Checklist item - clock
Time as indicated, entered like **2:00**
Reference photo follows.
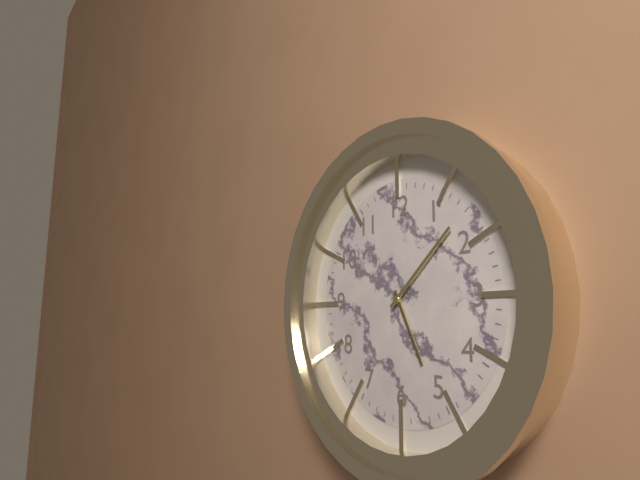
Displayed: **5:08**
